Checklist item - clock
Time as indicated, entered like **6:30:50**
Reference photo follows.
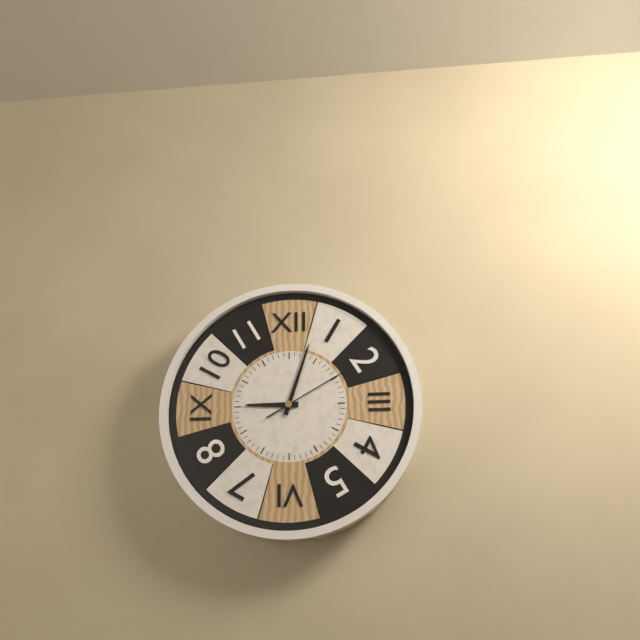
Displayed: **9:03:10**
